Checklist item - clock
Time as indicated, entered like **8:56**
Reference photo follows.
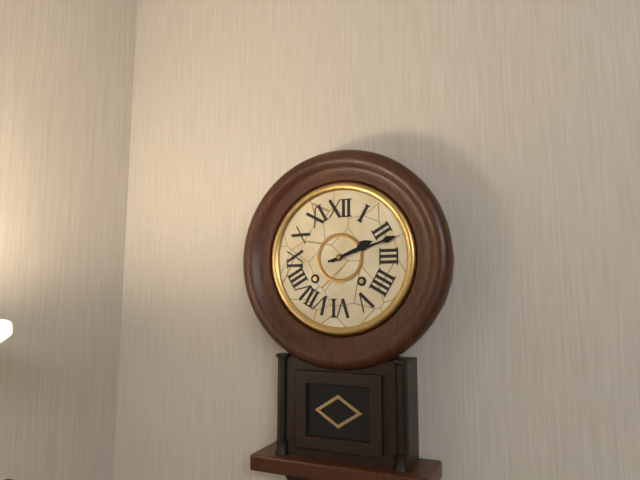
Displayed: **2:12**
